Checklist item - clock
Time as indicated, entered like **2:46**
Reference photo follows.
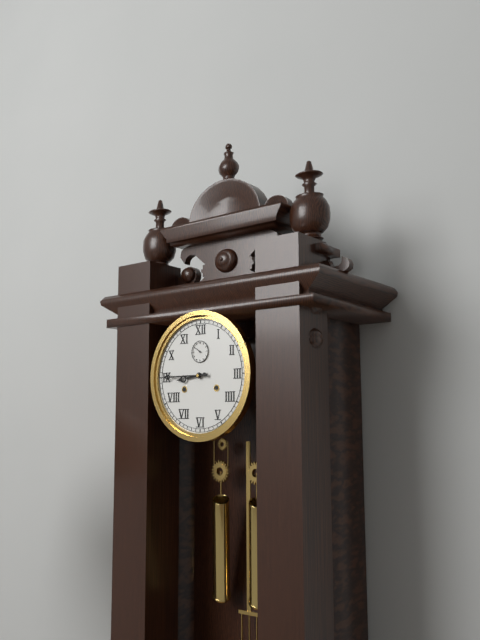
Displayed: **8:45**
